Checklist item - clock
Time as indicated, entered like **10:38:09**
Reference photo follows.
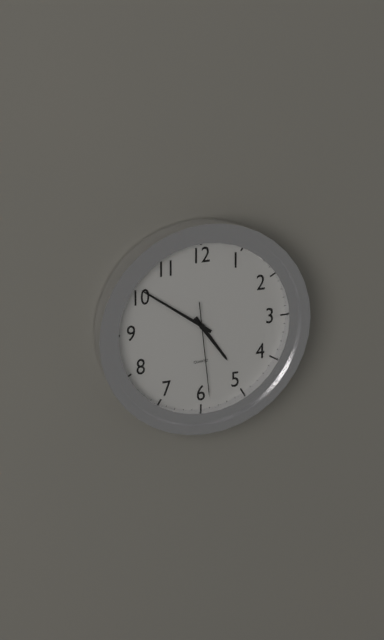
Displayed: **4:51:29**
